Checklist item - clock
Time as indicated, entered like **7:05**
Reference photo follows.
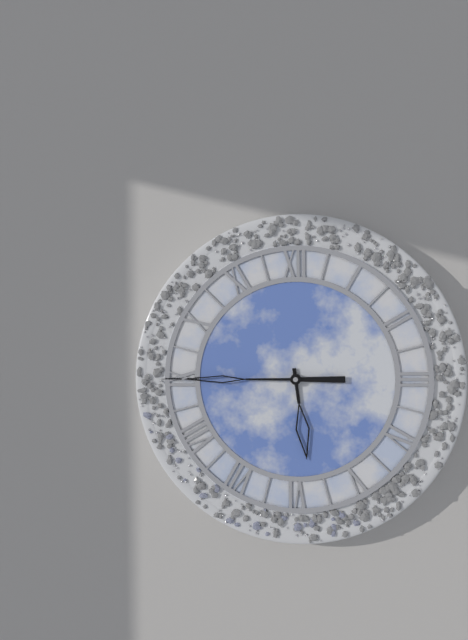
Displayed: **5:45**
